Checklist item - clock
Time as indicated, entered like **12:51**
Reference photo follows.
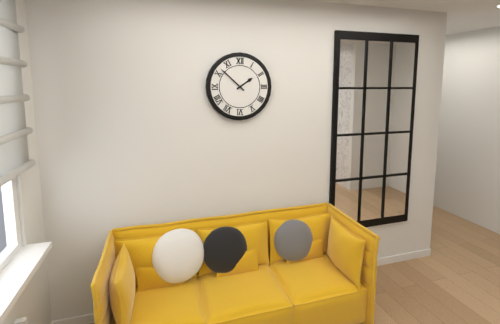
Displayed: **1:52**
